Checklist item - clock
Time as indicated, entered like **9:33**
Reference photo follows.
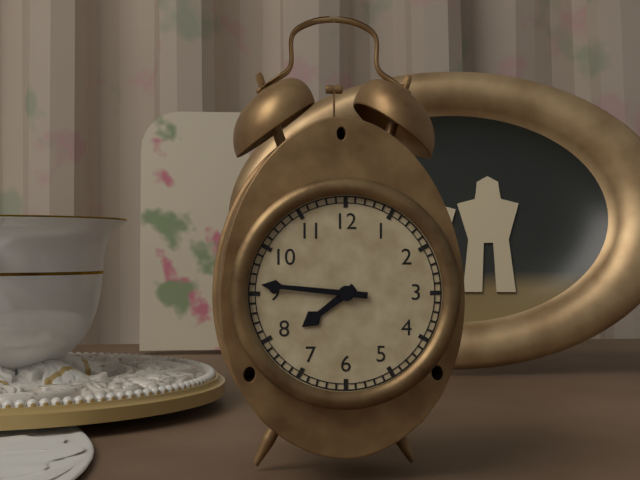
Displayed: **7:46**
